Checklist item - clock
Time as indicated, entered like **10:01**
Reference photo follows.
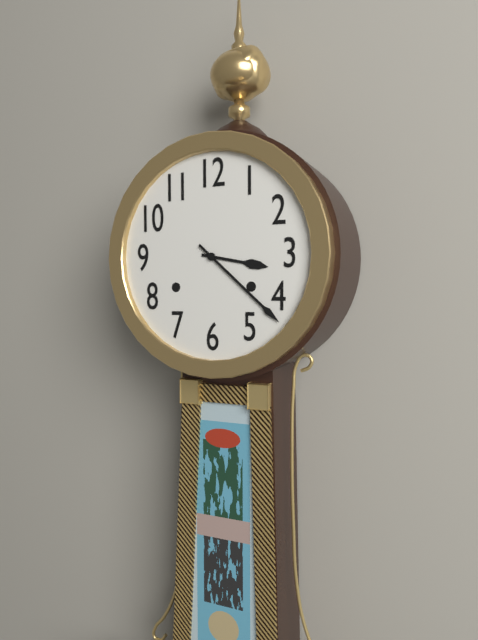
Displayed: **3:22**
